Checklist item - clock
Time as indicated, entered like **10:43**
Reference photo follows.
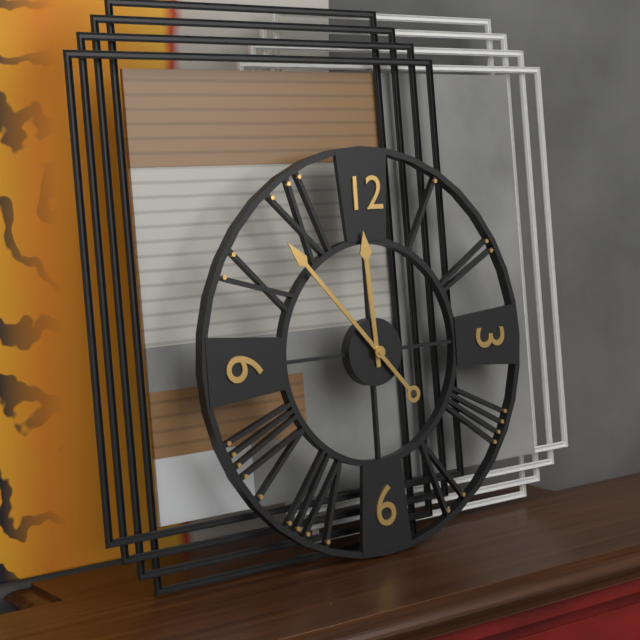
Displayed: **11:53**
